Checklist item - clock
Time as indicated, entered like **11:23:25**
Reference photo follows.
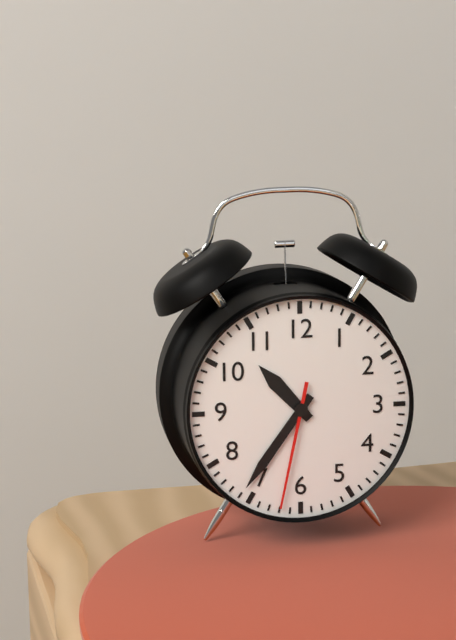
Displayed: **10:36:32**
